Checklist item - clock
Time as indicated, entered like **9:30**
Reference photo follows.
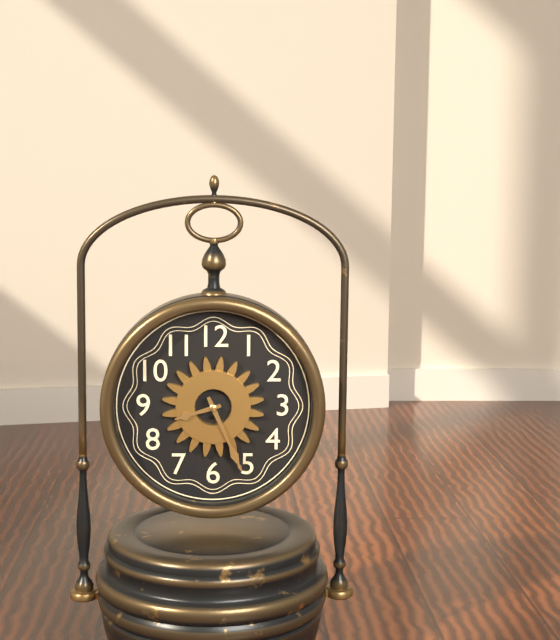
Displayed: **8:26**
